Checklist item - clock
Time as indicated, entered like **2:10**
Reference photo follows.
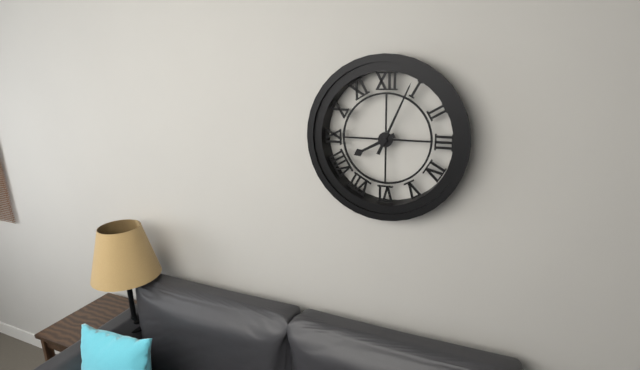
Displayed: **8:04**
